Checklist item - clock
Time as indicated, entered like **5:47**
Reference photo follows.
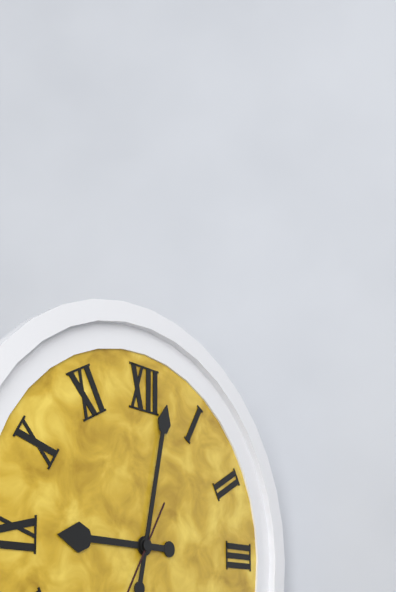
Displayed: **9:02**
